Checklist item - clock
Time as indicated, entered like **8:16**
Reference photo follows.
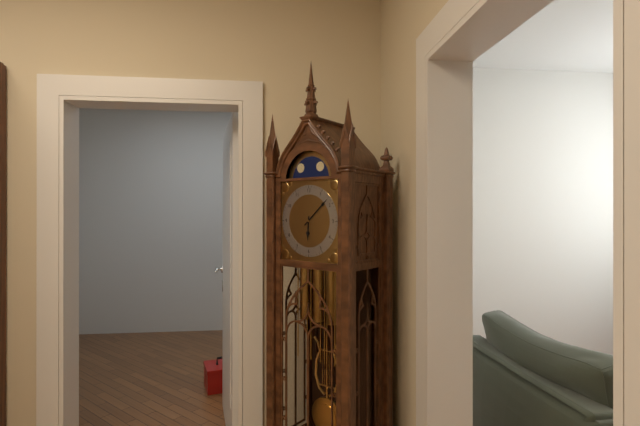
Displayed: **6:08**
